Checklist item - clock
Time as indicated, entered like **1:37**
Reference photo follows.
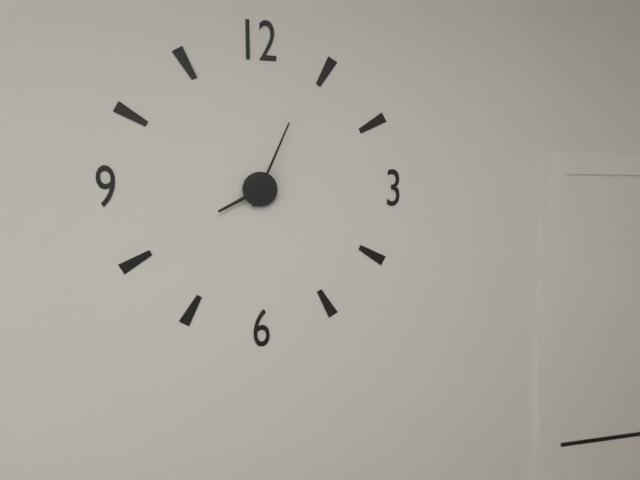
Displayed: **8:04**
